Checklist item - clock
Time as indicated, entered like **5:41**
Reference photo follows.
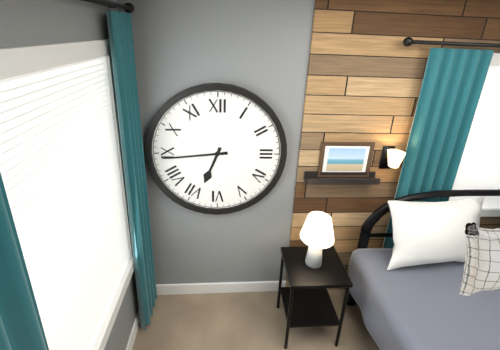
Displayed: **6:44**
